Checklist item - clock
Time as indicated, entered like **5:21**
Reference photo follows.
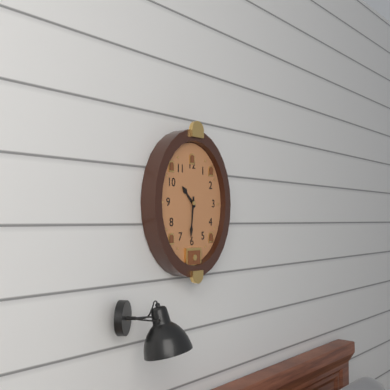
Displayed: **10:31**
